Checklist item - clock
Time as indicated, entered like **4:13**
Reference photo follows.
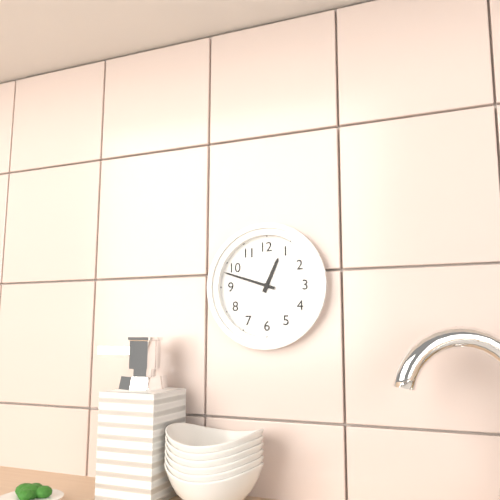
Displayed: **12:48**
